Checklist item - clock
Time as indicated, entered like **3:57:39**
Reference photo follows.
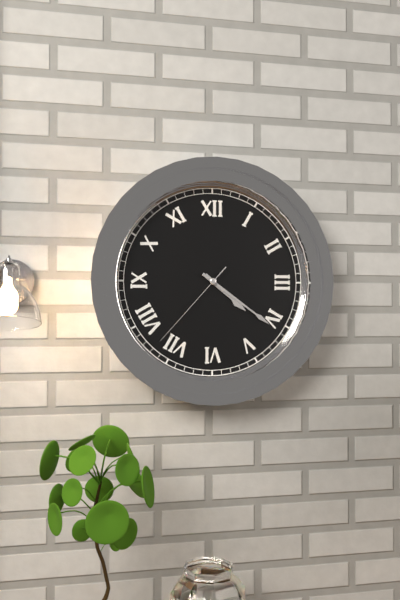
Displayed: **4:21:37**
